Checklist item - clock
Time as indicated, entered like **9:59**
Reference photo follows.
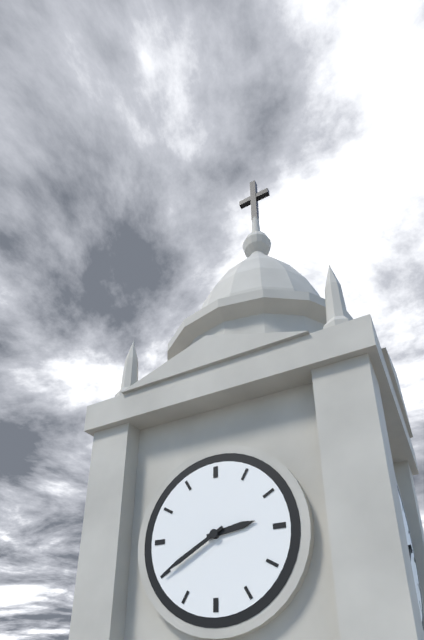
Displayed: **2:40**
